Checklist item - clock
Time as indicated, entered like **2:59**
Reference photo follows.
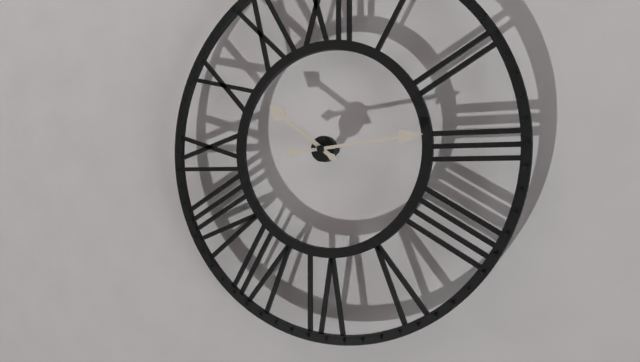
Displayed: **10:14**
